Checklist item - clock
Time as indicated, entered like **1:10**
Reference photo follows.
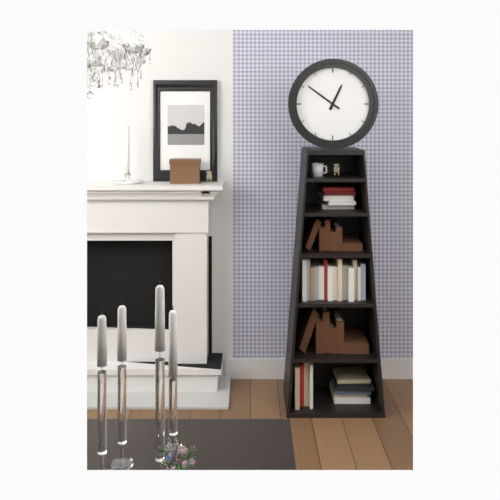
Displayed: **12:51**
